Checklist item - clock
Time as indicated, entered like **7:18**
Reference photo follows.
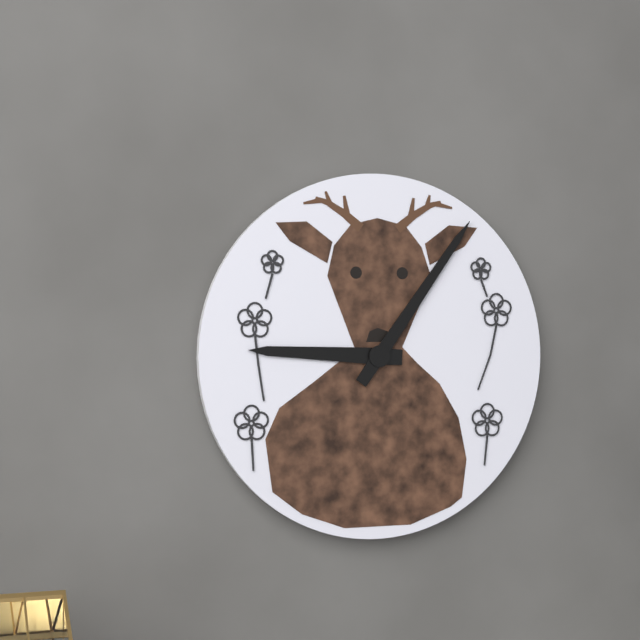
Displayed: **9:06**
